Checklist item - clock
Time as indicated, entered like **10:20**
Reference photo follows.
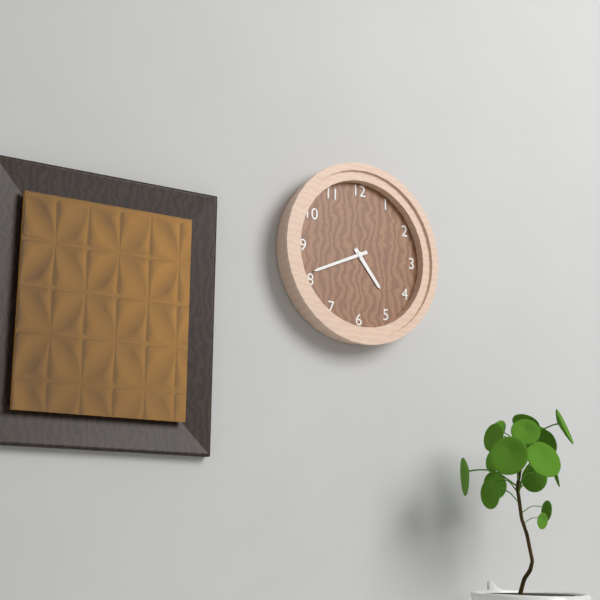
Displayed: **4:41**
